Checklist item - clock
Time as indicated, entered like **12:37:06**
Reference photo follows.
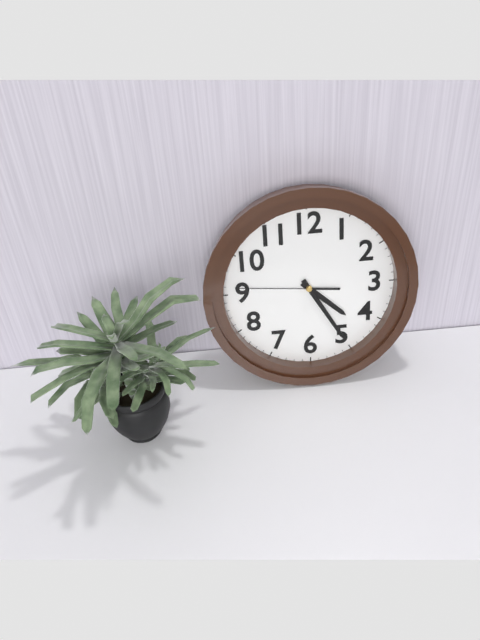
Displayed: **4:25:46**
